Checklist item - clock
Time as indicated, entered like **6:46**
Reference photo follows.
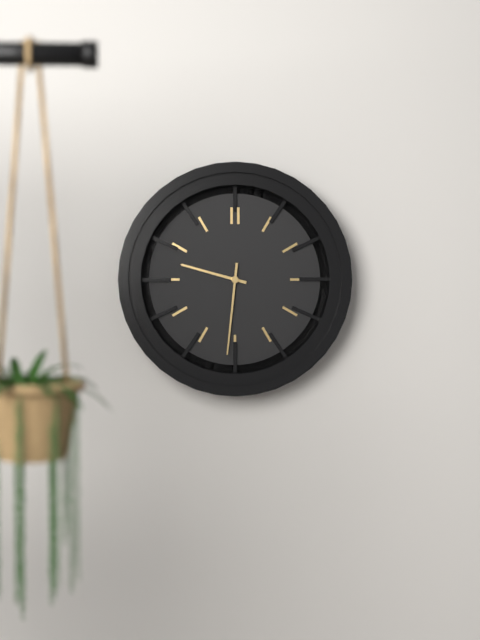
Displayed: **9:31**
